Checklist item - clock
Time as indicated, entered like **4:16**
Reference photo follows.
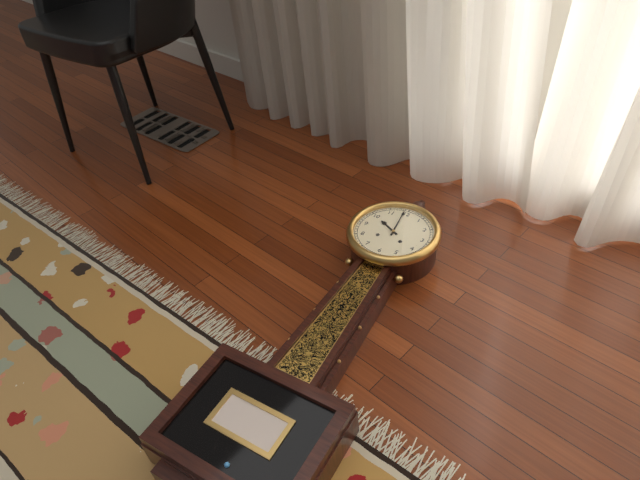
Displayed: **9:59**
